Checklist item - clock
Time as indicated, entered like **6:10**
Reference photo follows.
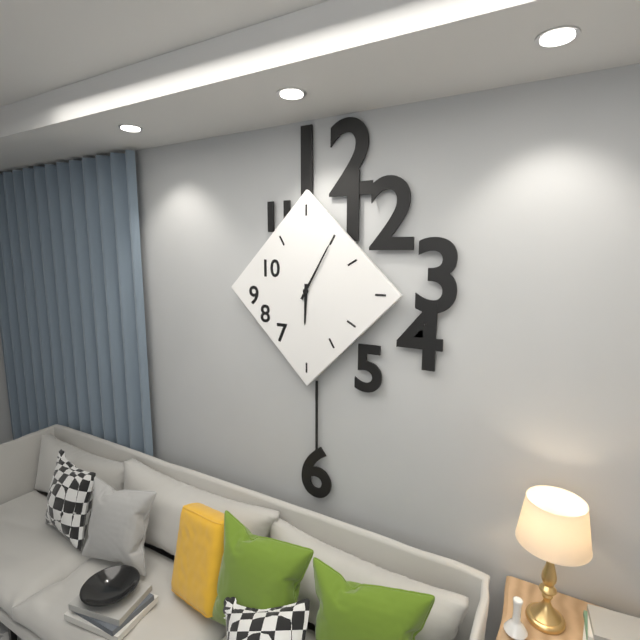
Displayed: **6:05**
